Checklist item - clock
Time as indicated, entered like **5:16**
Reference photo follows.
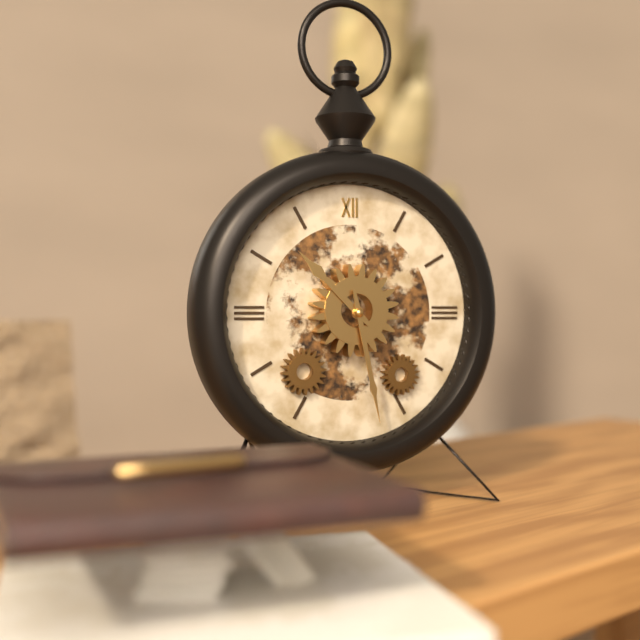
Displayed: **10:28**
